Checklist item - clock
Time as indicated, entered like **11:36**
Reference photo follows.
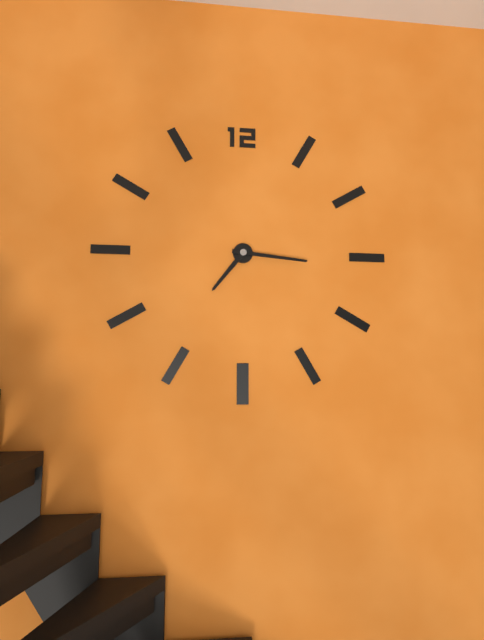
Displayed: **7:16**
